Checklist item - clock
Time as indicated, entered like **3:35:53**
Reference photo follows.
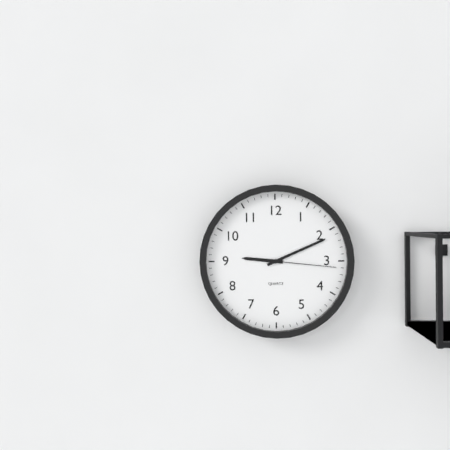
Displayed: **9:11:16**
